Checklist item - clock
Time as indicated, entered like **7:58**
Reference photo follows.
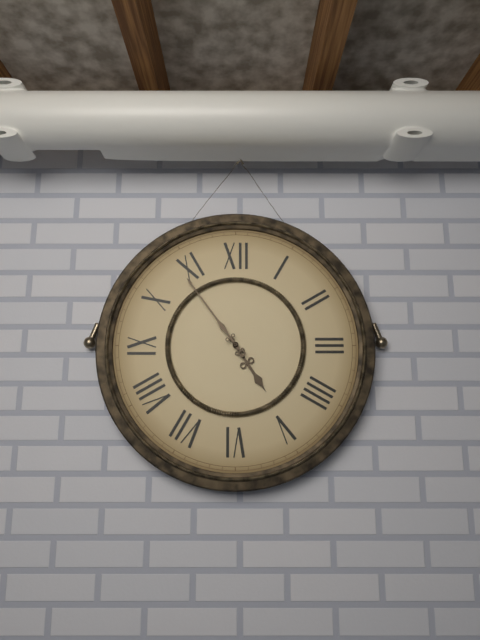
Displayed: **4:54**
